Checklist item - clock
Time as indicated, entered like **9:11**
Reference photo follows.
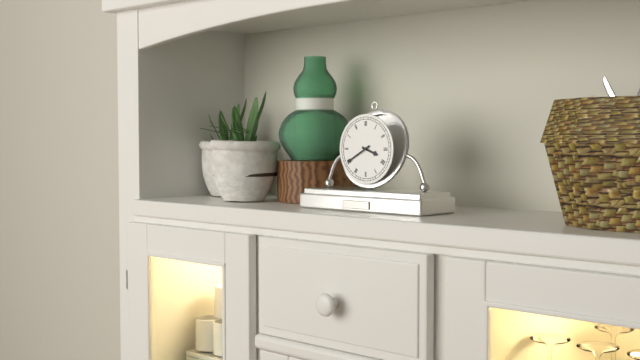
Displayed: **3:40**
